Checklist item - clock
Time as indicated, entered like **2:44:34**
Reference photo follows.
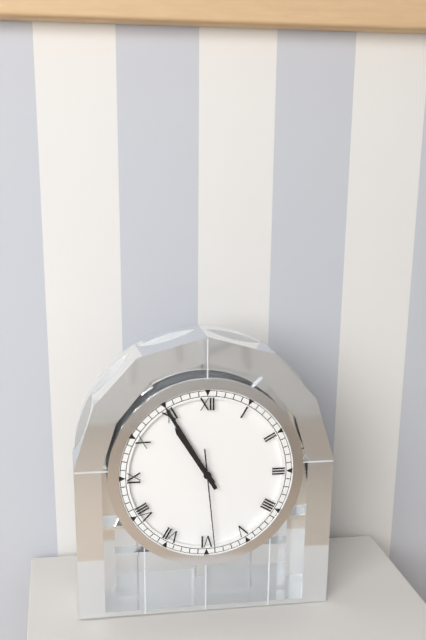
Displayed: **10:55:29**
